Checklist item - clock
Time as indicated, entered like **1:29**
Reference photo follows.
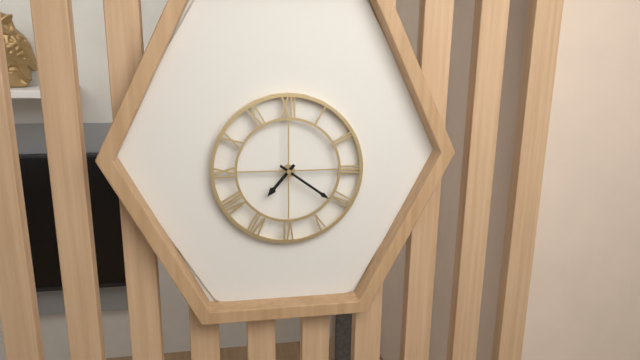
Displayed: **7:21**
